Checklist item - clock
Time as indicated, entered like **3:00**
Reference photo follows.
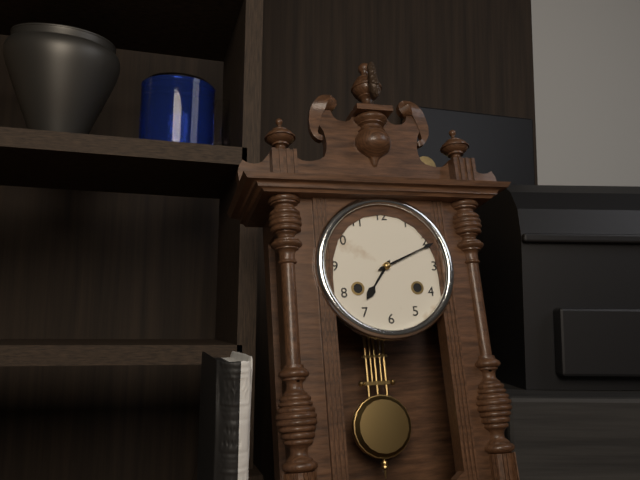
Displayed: **7:11**
